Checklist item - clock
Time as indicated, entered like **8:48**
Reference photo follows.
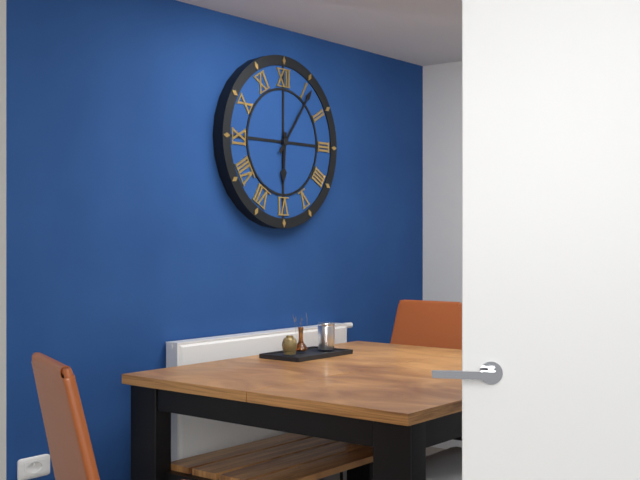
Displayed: **6:06**
